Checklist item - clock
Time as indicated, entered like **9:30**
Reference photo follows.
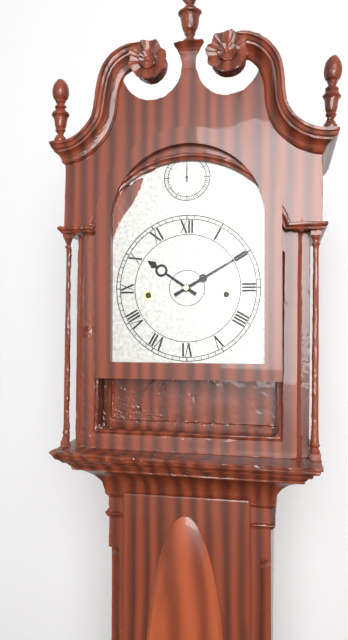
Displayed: **10:10**
